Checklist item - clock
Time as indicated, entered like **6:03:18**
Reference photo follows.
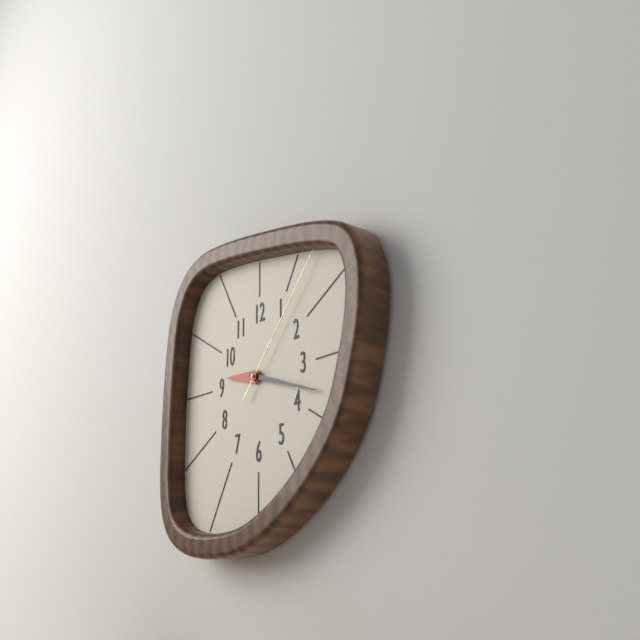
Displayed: **9:18:07**
